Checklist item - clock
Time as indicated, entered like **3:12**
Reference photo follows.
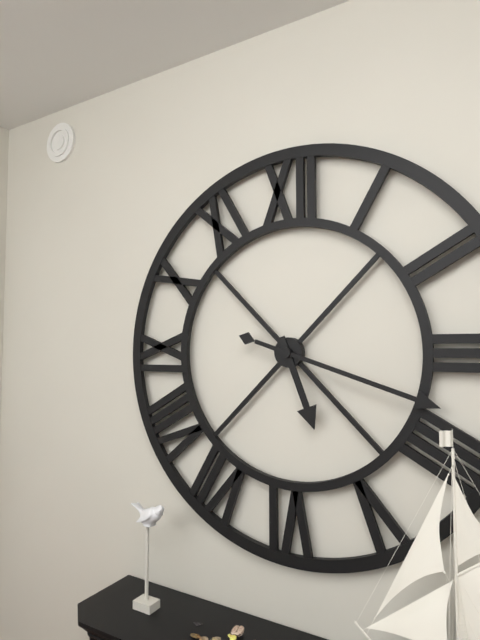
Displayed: **5:18**
